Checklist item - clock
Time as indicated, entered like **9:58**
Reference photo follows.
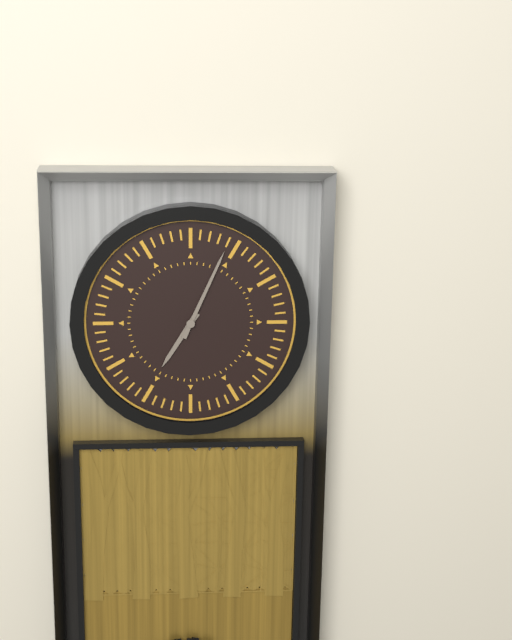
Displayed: **7:04**
